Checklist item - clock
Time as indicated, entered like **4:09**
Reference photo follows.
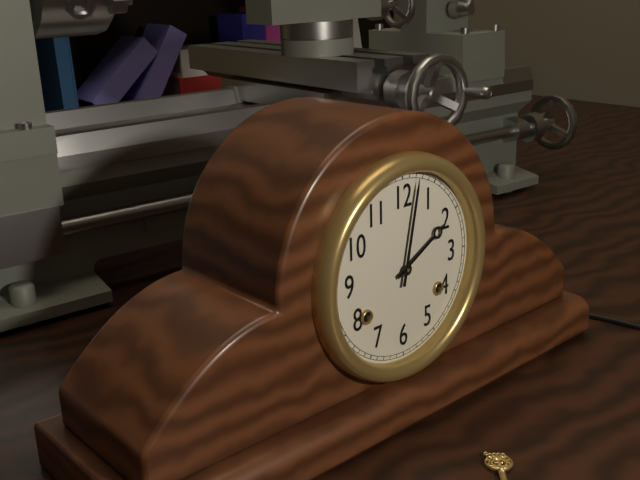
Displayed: **2:02**
